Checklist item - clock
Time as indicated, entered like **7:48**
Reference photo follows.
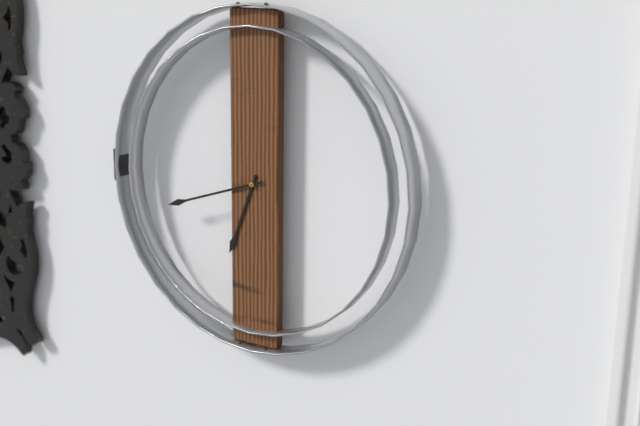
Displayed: **6:42**
